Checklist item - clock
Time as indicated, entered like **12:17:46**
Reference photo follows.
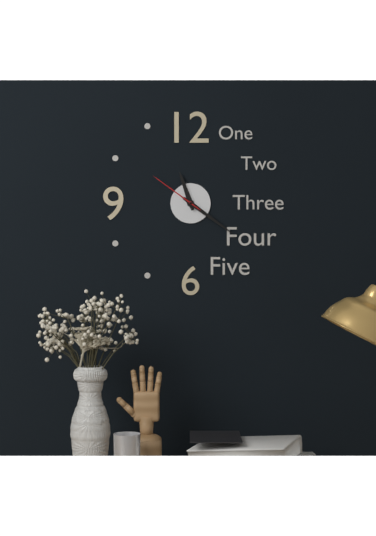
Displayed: **11:21:51**
